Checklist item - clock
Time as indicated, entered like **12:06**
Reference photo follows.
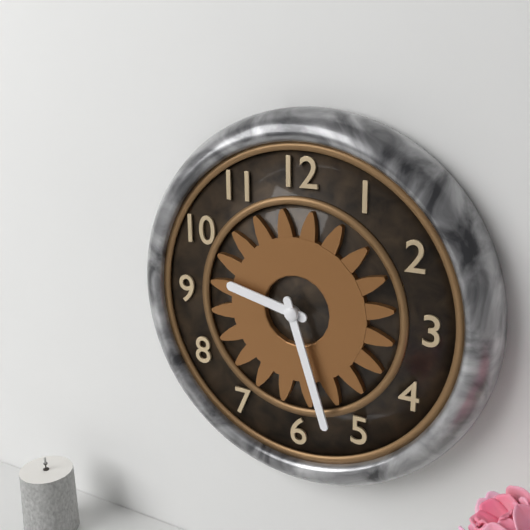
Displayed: **9:27**
